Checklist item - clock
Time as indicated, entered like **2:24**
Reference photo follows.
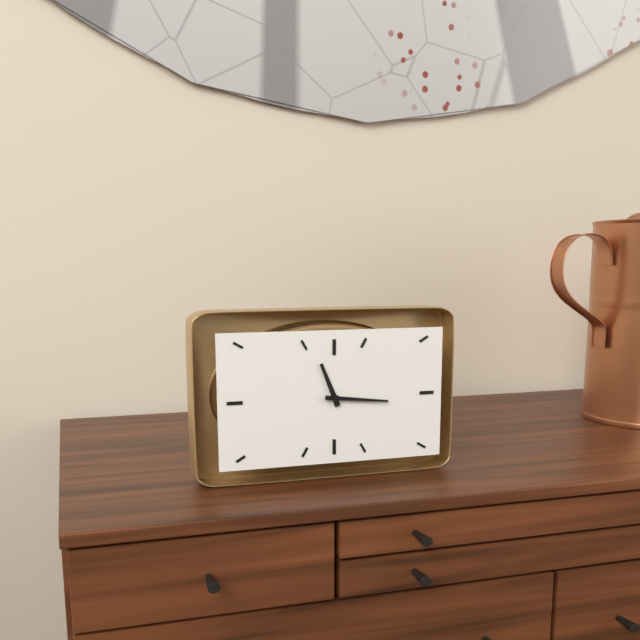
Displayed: **11:16**
